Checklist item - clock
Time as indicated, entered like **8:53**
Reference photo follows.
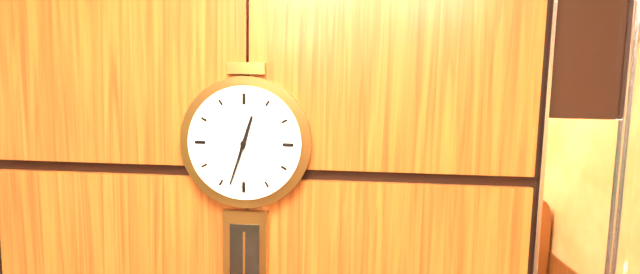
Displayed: **12:33**
